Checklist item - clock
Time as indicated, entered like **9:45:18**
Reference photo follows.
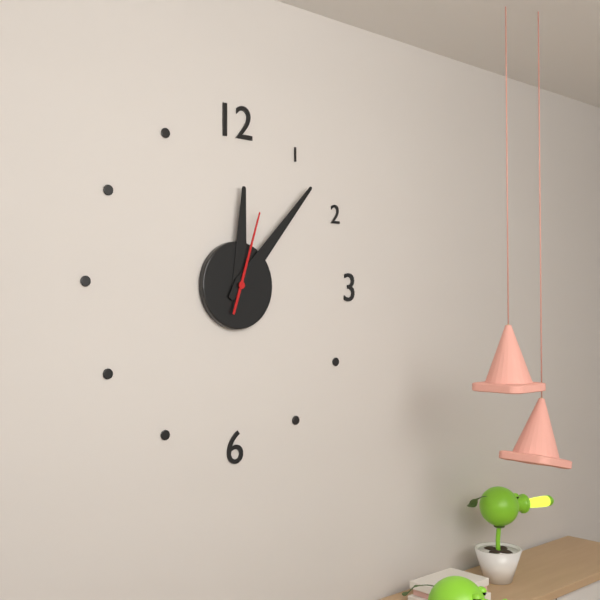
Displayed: **12:07:03**
